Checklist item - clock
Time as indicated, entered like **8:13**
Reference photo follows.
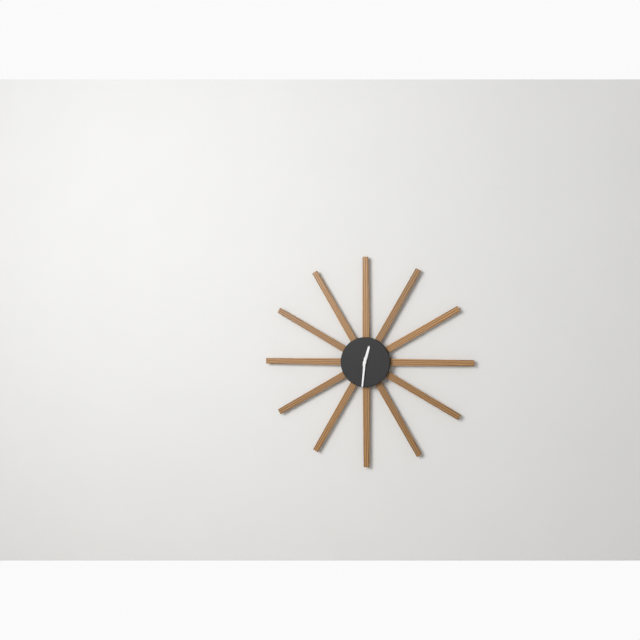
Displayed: **12:31**
